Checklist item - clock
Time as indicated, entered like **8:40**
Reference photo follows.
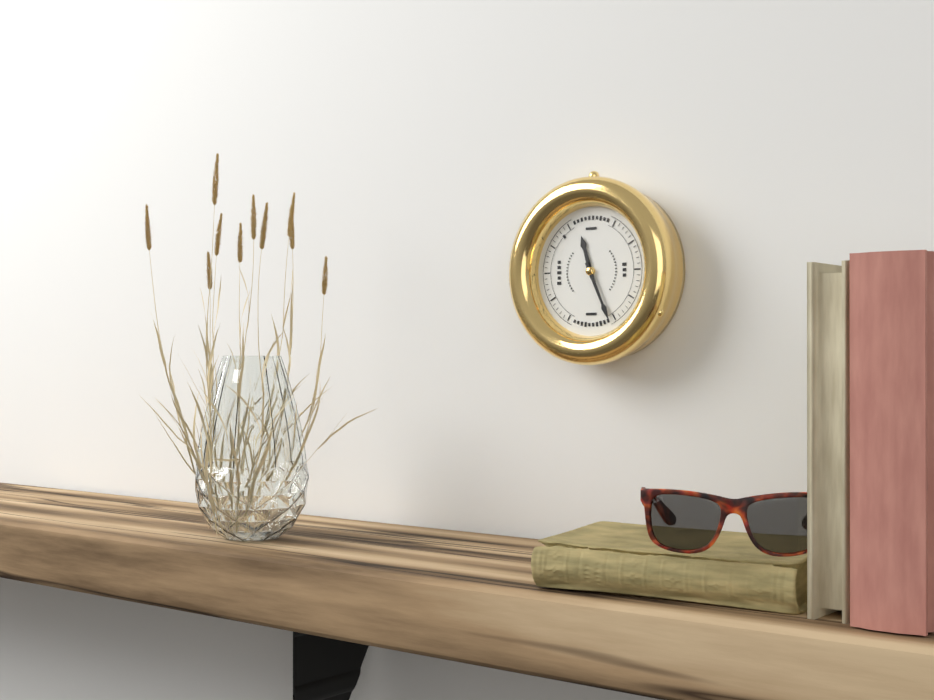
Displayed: **11:26**
